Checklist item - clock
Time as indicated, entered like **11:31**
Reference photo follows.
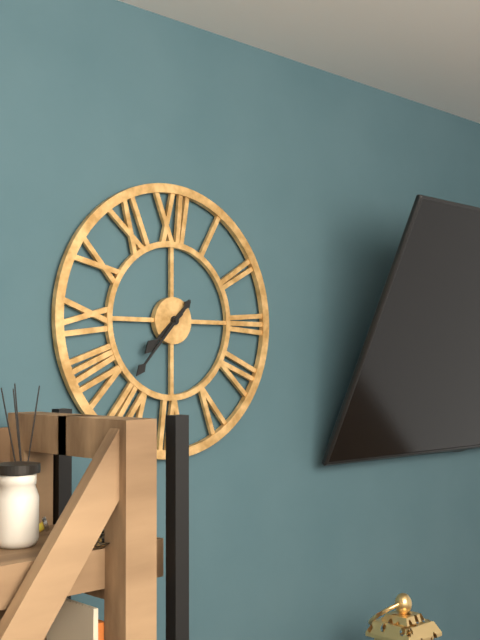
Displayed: **7:37**
